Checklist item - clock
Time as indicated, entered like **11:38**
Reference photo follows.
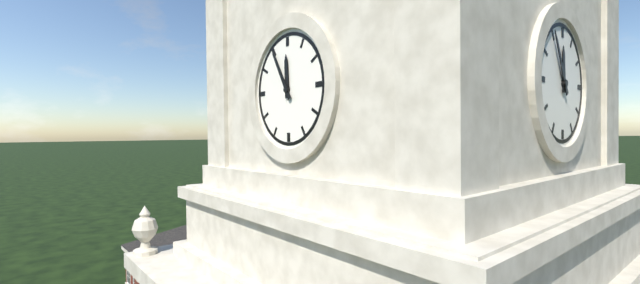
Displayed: **11:55**
